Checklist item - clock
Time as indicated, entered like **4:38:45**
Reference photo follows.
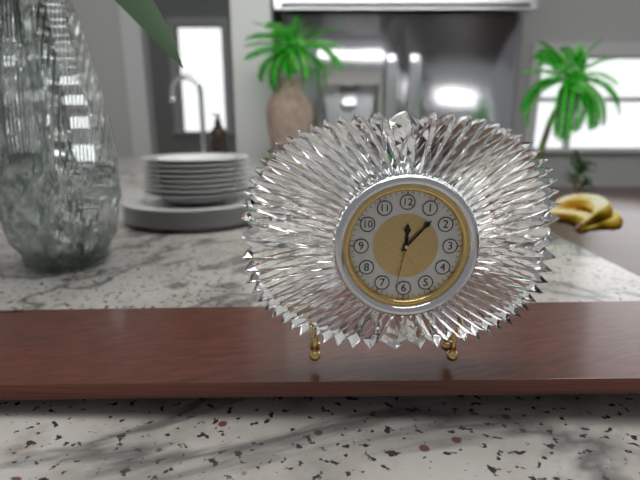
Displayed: **12:07:32**
